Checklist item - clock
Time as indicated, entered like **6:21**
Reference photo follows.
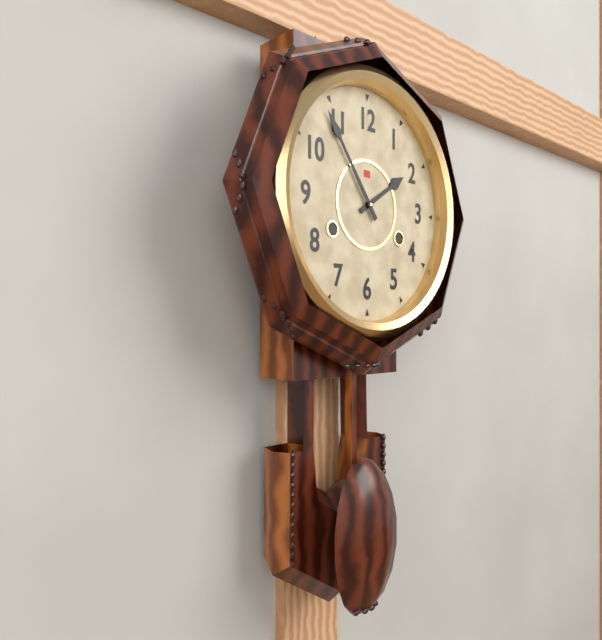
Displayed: **1:54**
